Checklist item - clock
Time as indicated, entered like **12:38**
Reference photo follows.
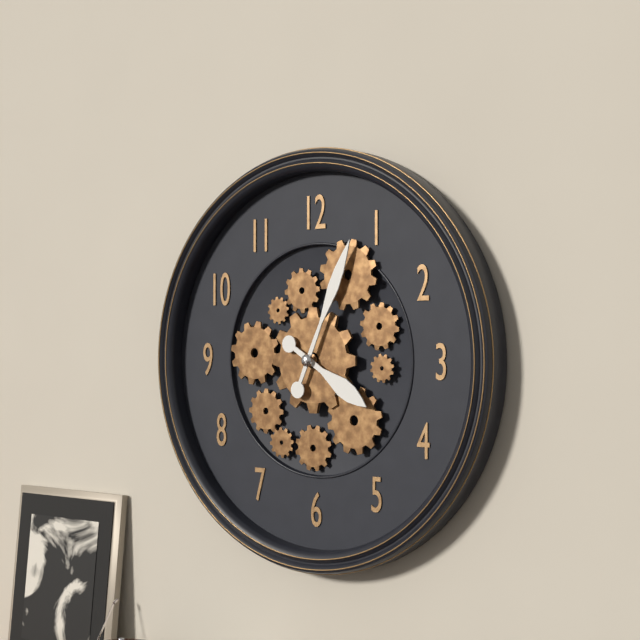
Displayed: **4:04**
